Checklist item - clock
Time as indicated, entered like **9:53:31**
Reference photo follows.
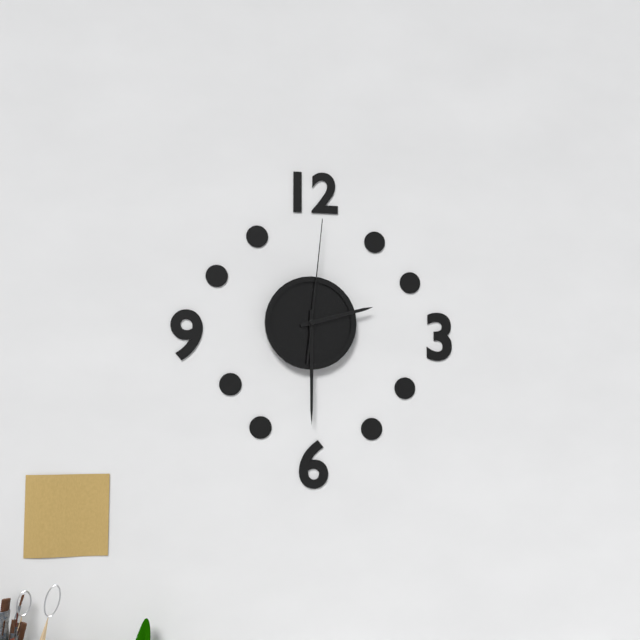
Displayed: **2:30:01**
